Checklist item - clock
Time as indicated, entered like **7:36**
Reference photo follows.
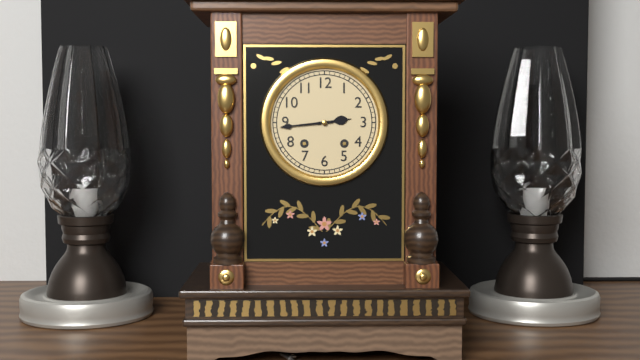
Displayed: **2:44**
